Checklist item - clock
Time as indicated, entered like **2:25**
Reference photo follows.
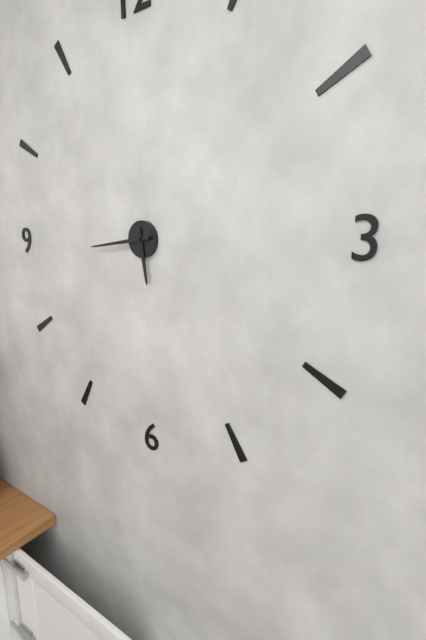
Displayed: **5:44**
